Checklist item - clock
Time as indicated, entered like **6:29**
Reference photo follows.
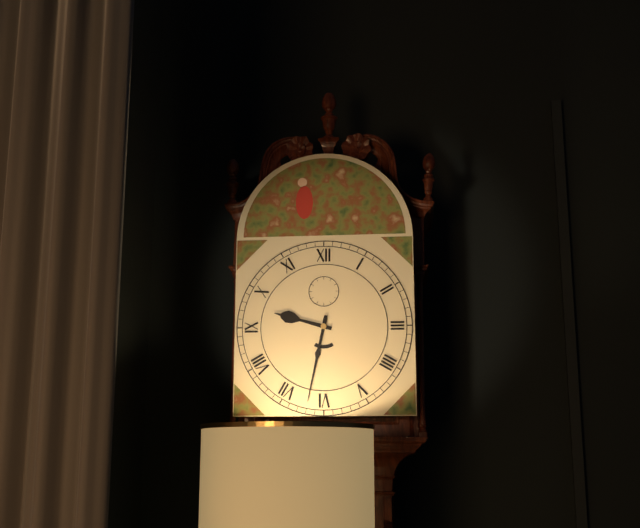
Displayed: **9:32**
